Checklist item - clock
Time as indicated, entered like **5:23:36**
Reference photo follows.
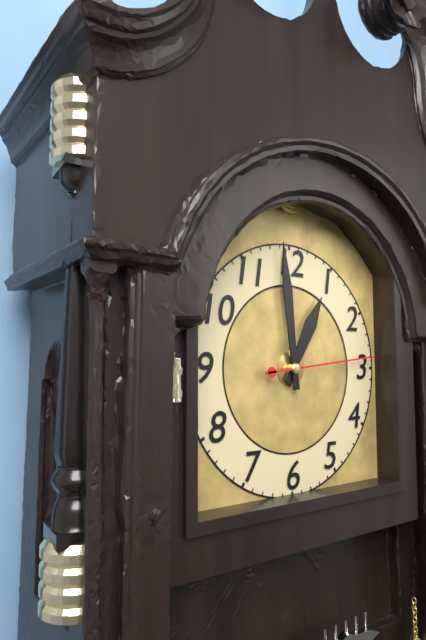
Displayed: **12:59:14**
